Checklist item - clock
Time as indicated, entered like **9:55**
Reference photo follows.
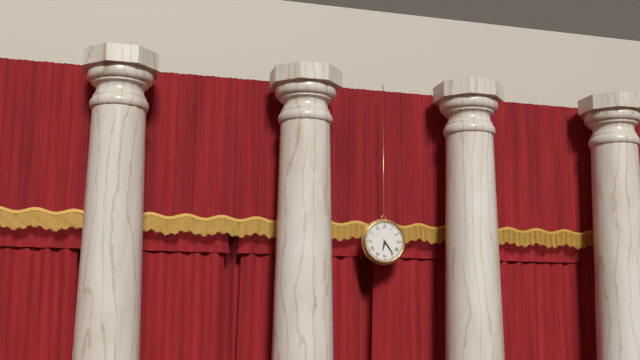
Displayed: **6:24**
